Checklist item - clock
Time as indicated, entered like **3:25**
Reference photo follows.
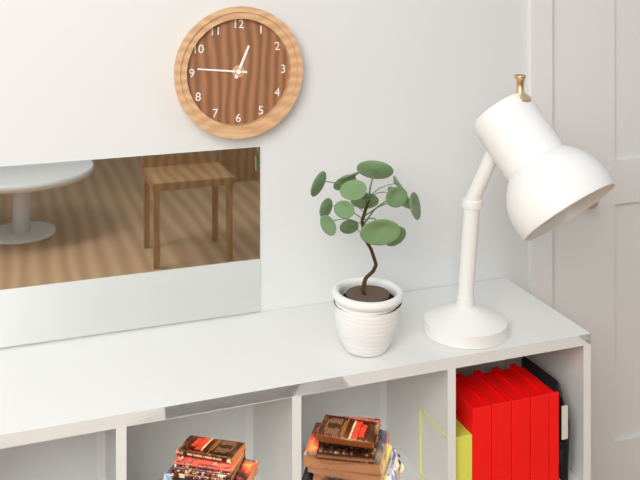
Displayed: **12:46**
